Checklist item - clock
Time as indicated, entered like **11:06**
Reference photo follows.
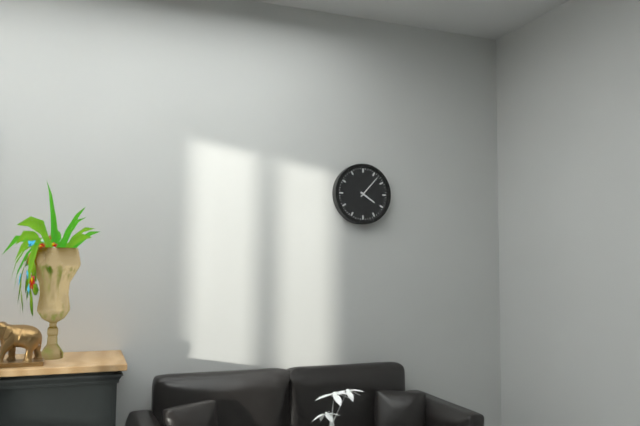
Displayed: **4:07**
